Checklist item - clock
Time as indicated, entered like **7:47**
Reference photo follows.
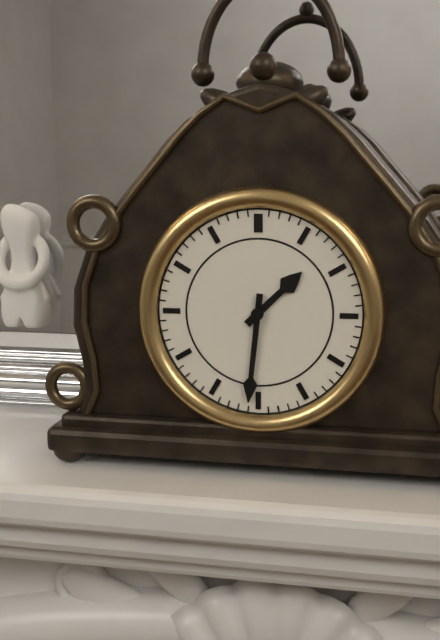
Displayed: **1:31**
